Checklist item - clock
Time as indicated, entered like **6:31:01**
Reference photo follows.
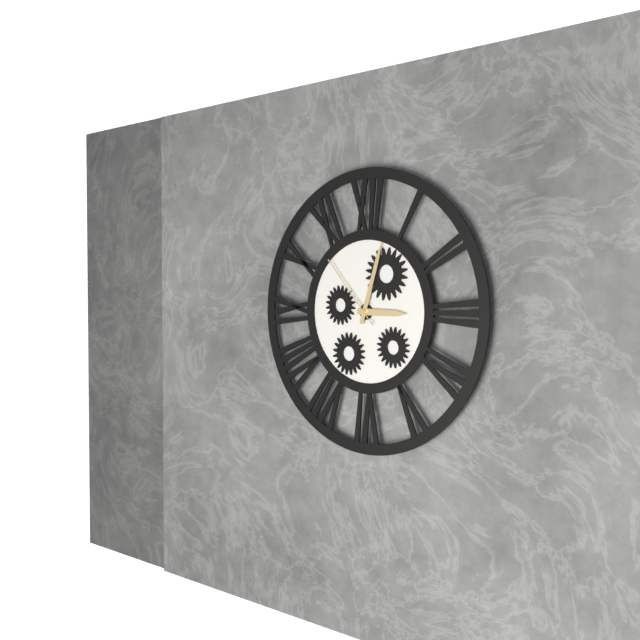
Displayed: **3:03:53**
